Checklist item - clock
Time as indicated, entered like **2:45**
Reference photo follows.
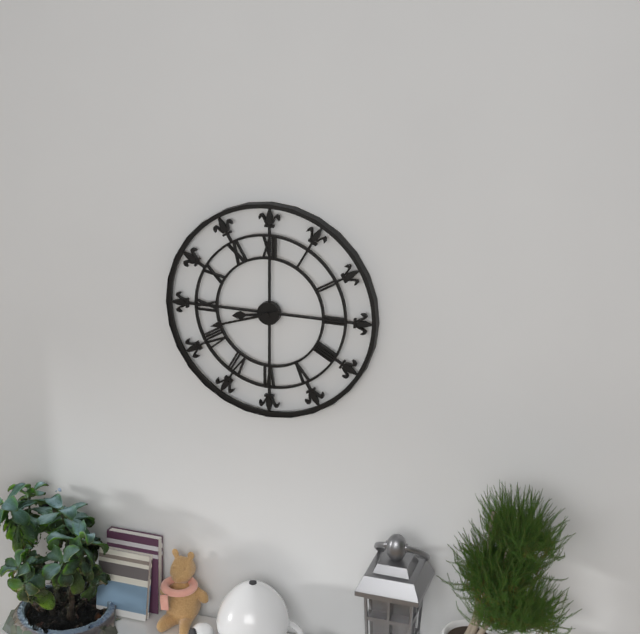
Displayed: **8:42**
